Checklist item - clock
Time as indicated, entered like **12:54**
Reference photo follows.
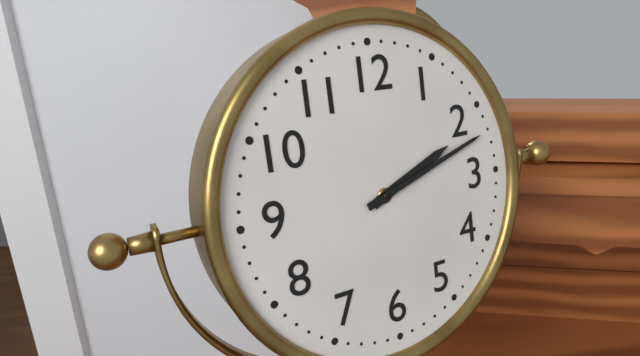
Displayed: **2:12**
